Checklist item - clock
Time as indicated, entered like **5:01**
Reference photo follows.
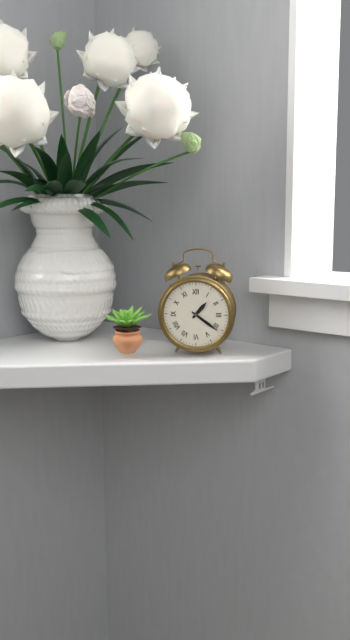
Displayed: **1:21**
